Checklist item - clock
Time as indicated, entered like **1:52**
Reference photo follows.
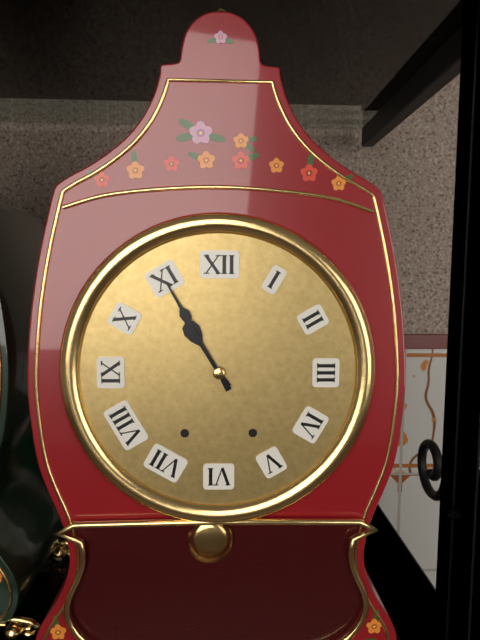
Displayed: **10:55**
